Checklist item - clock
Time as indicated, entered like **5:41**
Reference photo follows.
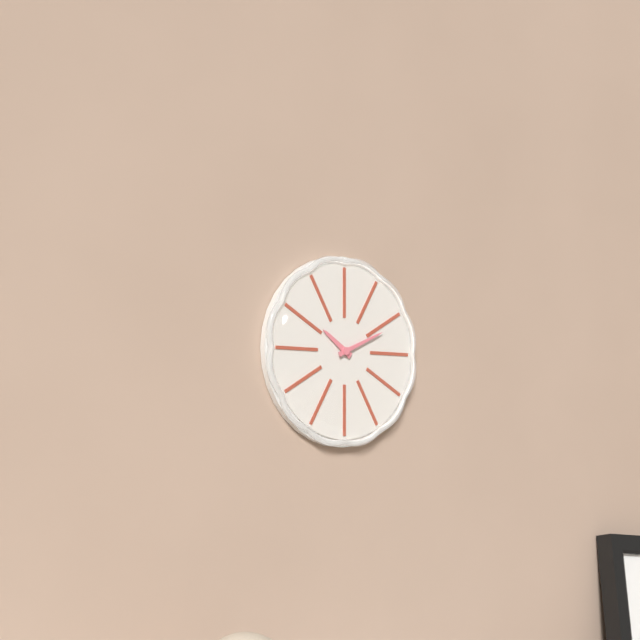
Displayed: **10:11**
